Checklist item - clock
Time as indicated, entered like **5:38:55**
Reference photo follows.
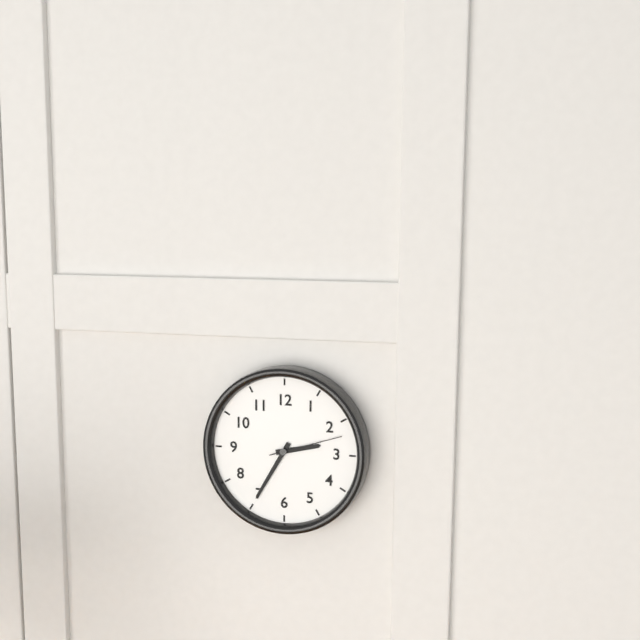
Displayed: **2:35:12**
